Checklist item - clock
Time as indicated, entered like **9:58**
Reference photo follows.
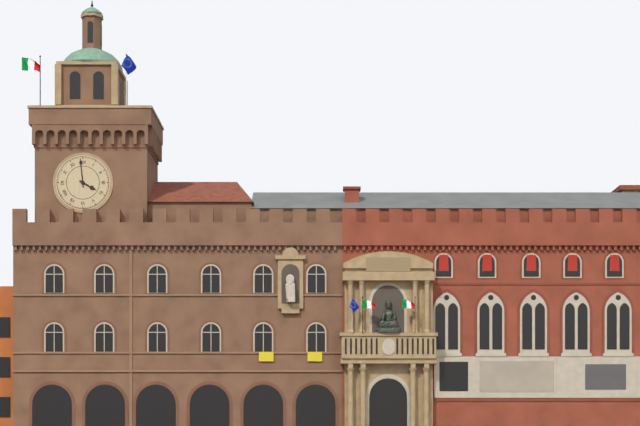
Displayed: **3:59**
